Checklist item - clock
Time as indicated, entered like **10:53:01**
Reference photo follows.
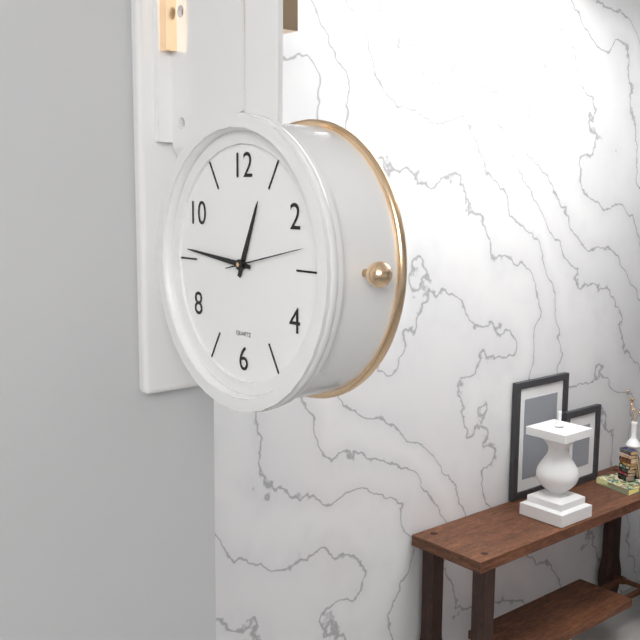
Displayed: **12:46:13**
